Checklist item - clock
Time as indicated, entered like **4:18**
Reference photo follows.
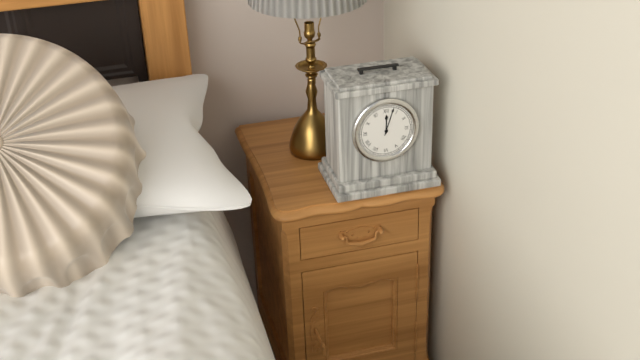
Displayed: **12:03**
